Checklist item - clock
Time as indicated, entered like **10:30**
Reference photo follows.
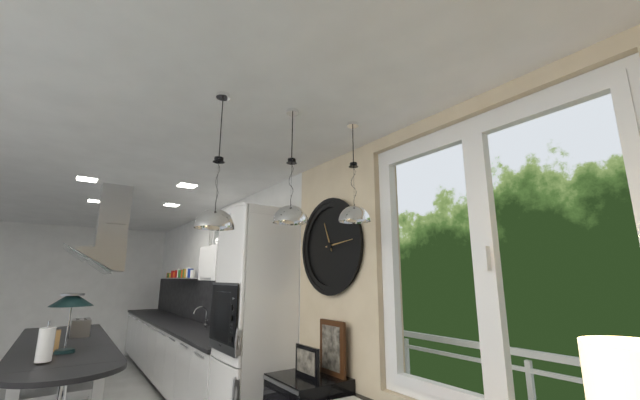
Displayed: **11:14**
